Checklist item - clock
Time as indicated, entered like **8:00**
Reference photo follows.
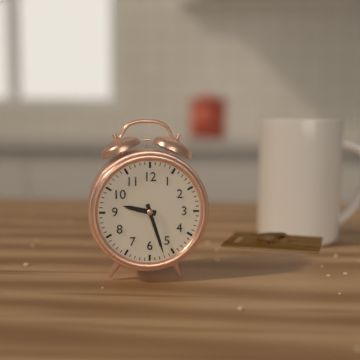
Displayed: **9:27**
